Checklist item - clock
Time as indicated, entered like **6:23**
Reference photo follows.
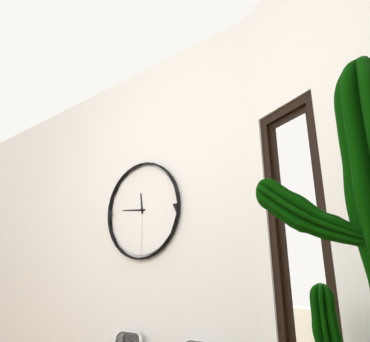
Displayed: **11:46**
